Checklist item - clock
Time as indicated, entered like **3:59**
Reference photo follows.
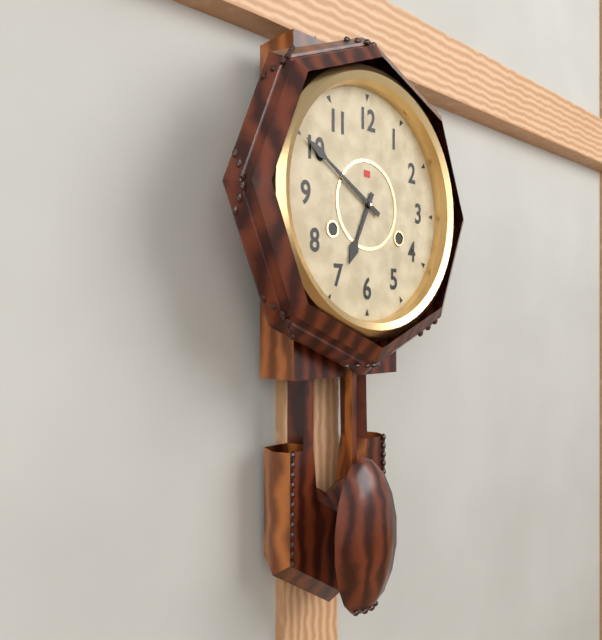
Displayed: **6:50**
